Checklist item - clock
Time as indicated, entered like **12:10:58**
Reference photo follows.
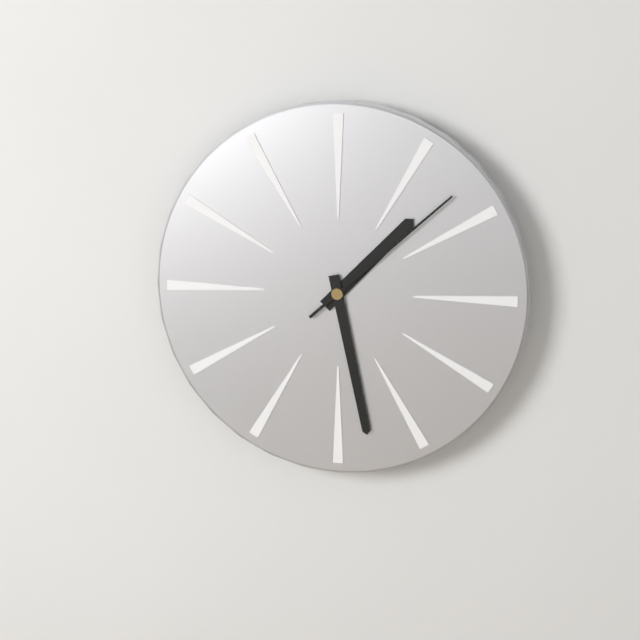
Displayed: **1:28:08**
